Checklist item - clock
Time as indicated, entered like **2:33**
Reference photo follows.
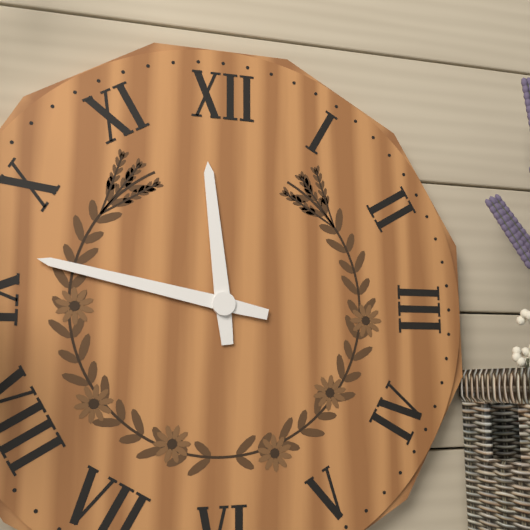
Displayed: **11:47**
